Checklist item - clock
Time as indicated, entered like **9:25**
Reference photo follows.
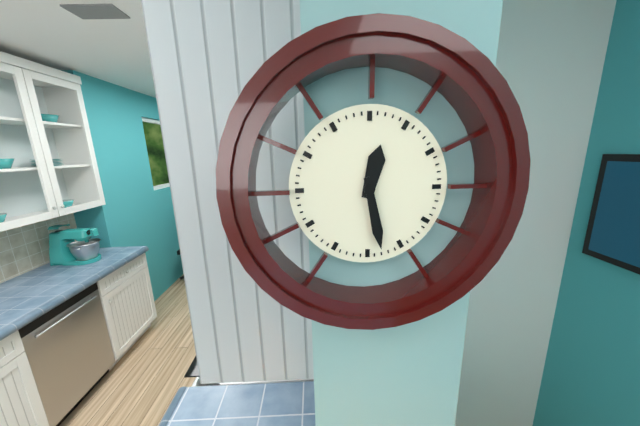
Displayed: **12:28**
